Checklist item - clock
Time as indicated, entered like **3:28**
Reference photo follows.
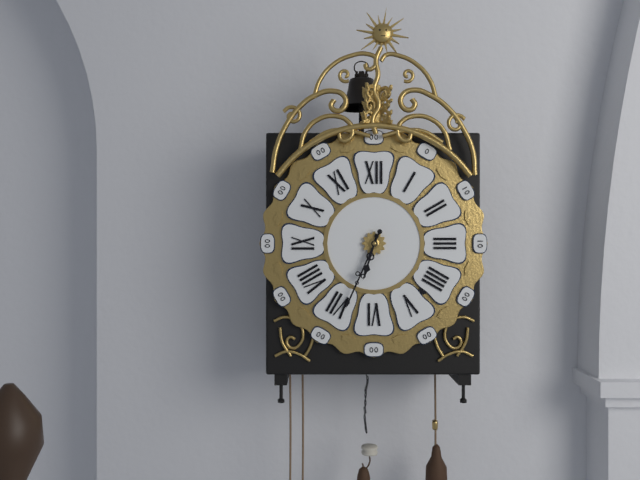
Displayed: **6:34**
